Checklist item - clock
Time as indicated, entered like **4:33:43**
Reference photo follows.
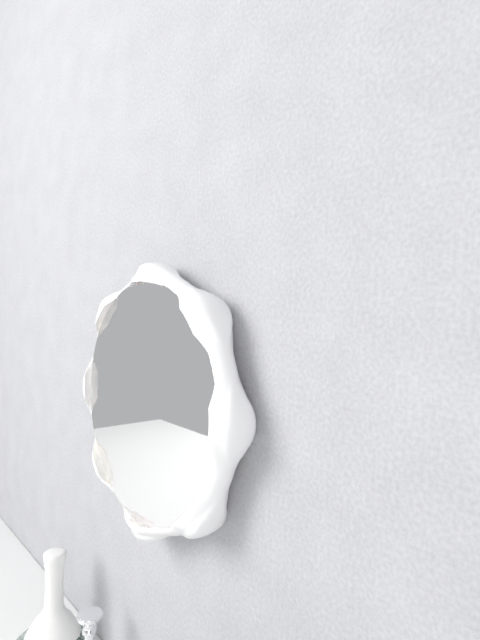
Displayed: **10:52:57**
